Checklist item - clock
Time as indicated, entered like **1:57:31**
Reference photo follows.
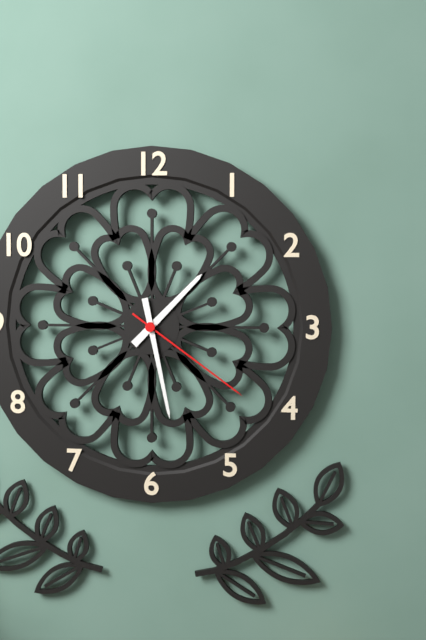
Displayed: **1:28:21**
